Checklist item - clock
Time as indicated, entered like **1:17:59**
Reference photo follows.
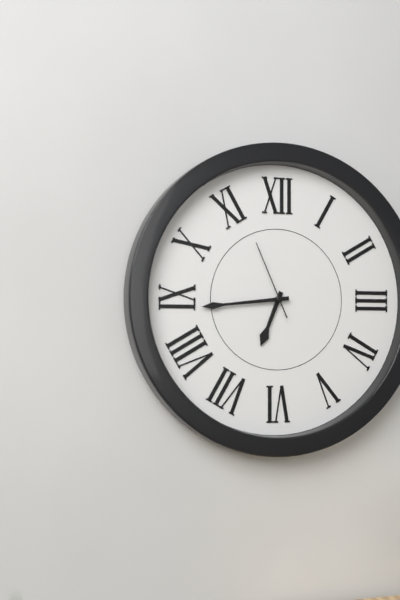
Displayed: **6:44:56**
